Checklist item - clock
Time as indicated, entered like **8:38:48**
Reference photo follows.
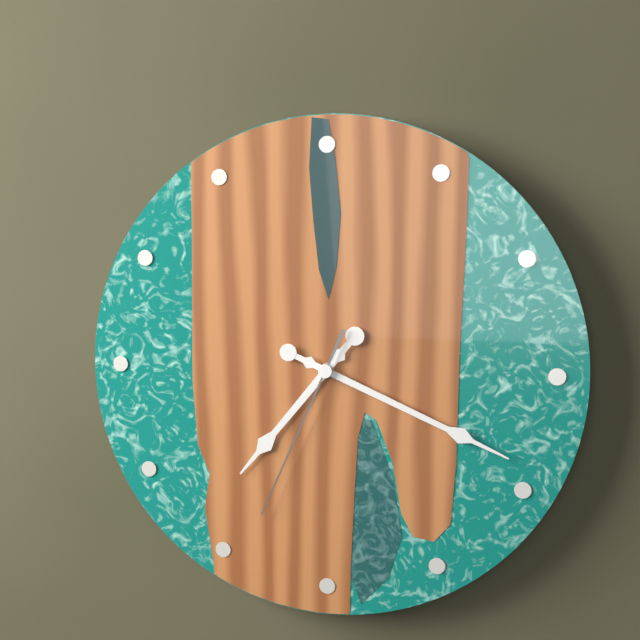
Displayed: **7:19:34**
